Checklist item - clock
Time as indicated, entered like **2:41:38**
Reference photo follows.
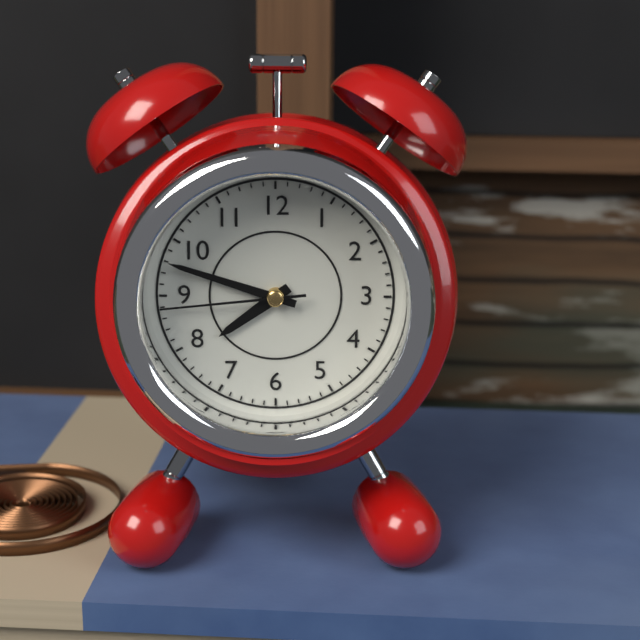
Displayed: **7:48:44**
